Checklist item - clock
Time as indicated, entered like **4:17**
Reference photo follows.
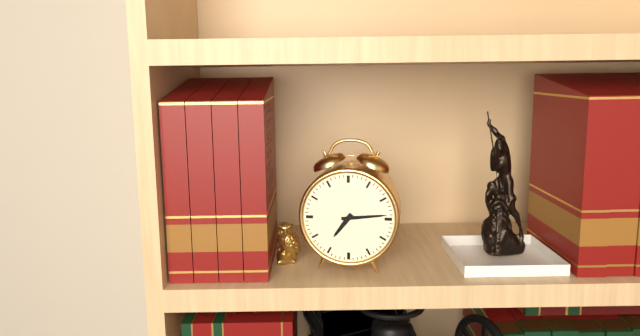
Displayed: **7:14**
